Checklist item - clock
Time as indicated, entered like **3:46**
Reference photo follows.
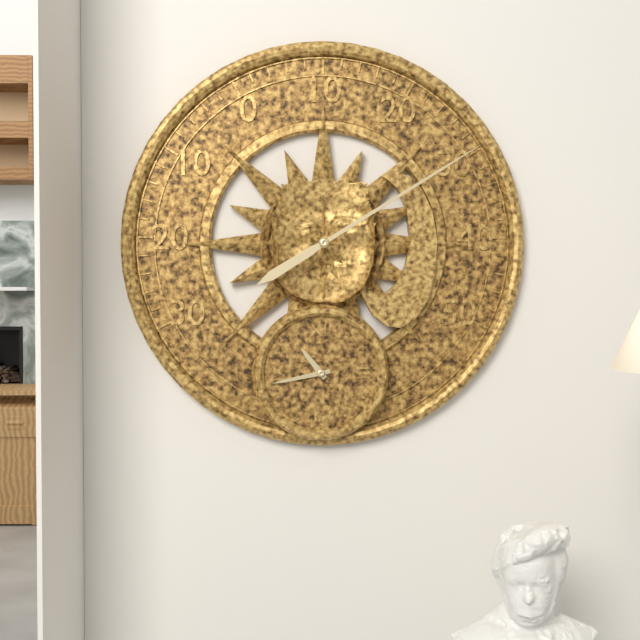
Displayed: **10:43**
